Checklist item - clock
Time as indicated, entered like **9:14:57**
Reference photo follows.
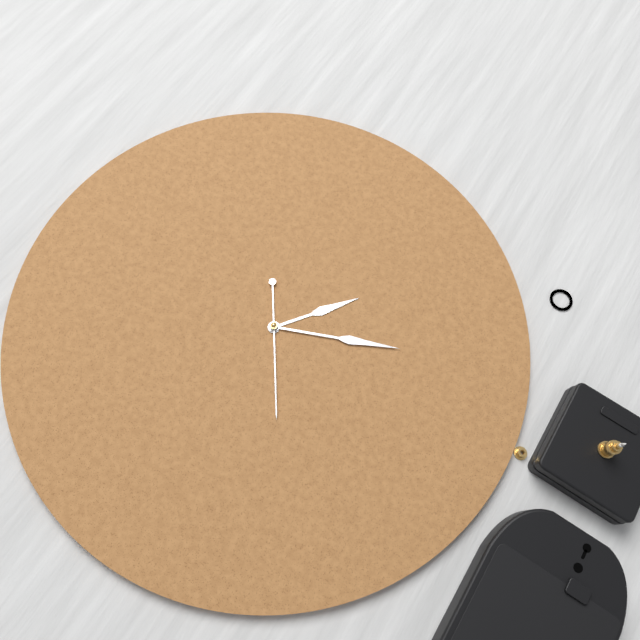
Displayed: **1:11:24**
